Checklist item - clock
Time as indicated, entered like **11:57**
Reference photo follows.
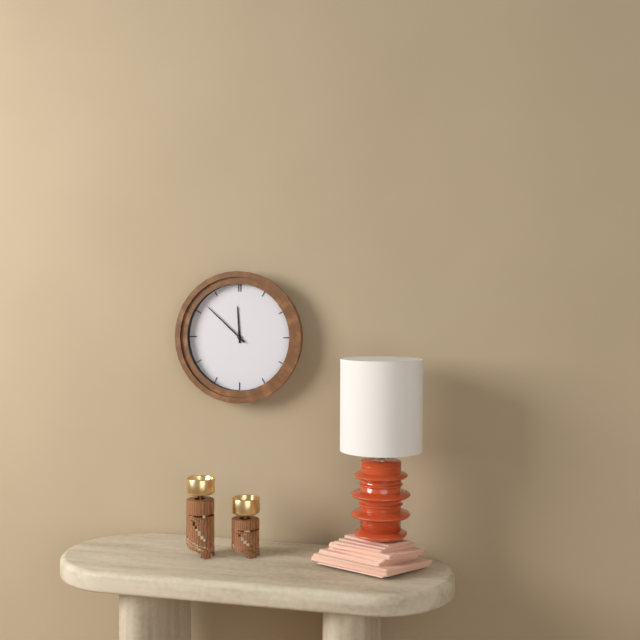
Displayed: **11:52**
